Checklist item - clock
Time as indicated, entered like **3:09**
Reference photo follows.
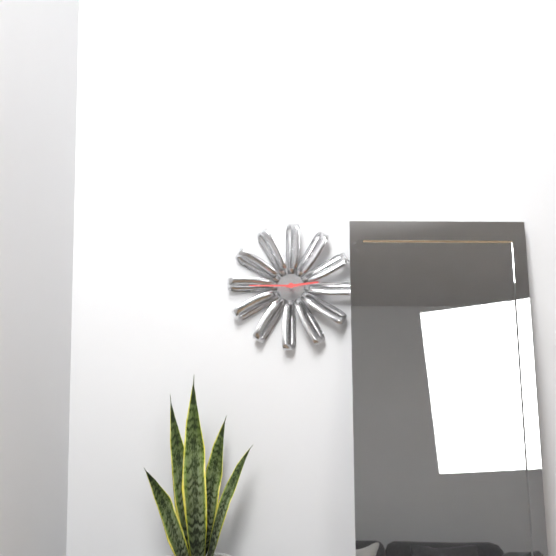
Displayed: **2:45**
